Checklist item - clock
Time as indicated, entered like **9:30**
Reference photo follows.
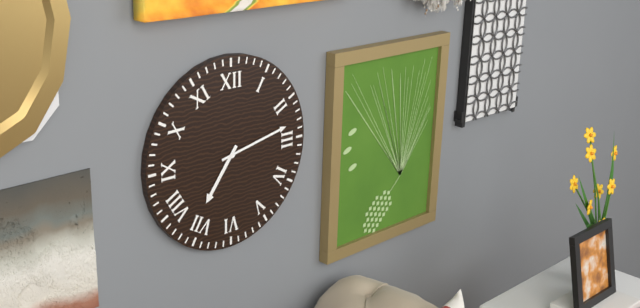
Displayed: **7:13**
